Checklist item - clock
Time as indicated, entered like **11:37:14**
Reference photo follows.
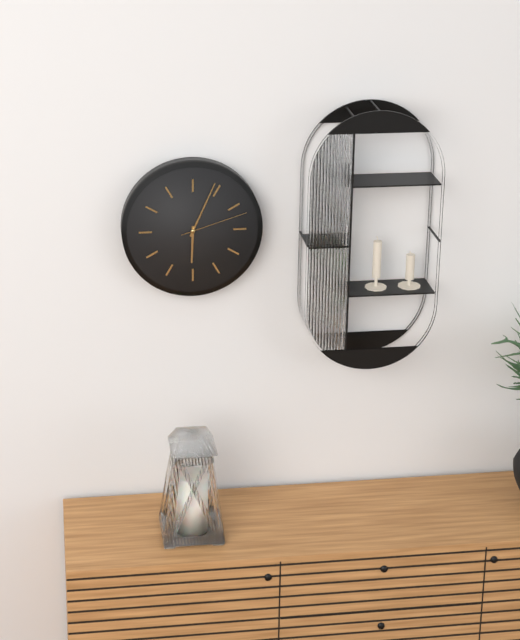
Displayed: **6:04:12**
